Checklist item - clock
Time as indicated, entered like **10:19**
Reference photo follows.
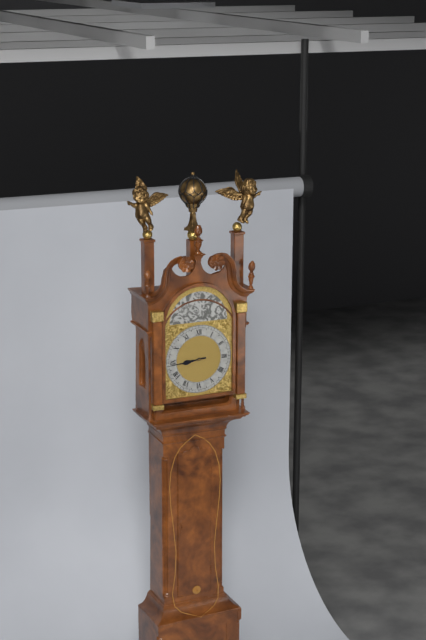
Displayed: **8:44**
